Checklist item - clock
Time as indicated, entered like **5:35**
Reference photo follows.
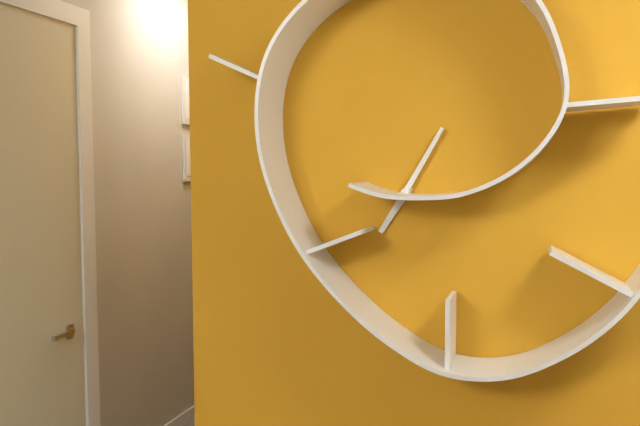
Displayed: **7:05**
